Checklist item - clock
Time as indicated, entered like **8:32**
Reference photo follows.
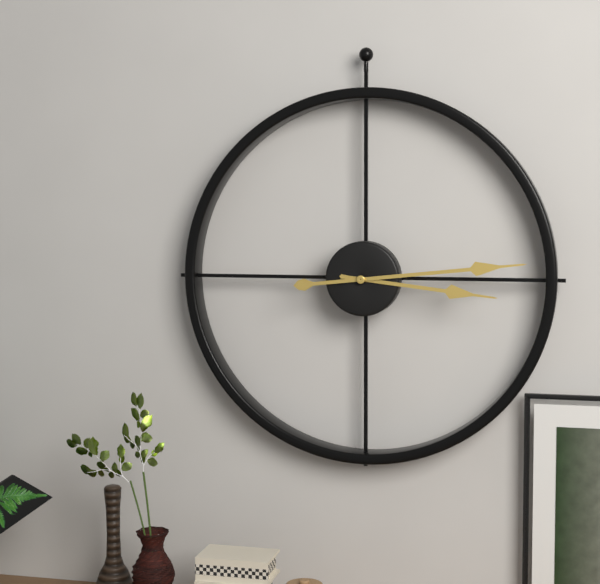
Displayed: **3:14**
